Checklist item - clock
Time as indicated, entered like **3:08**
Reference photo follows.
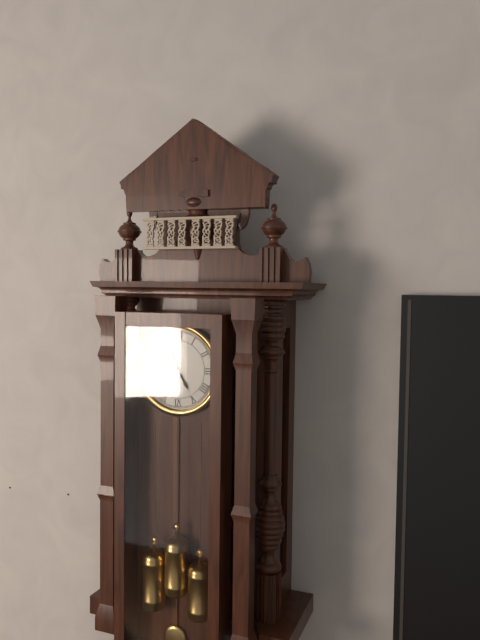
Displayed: **4:57**
